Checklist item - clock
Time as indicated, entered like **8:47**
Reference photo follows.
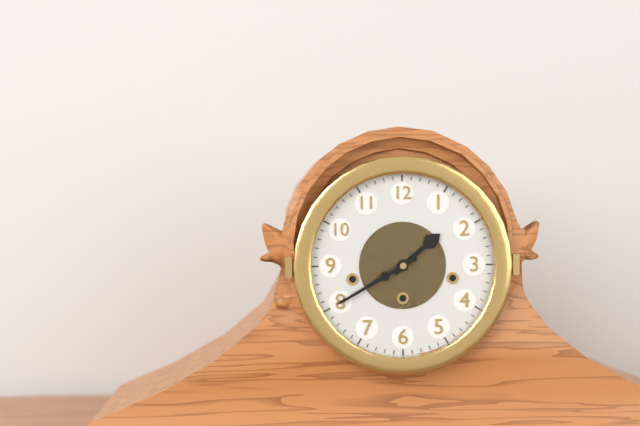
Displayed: **1:40**
